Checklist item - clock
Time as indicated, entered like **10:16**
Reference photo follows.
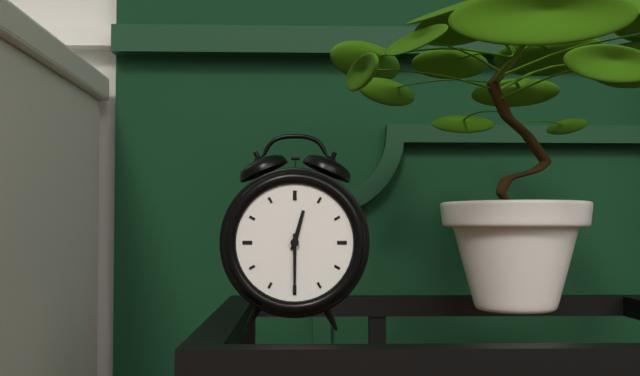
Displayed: **12:30**
